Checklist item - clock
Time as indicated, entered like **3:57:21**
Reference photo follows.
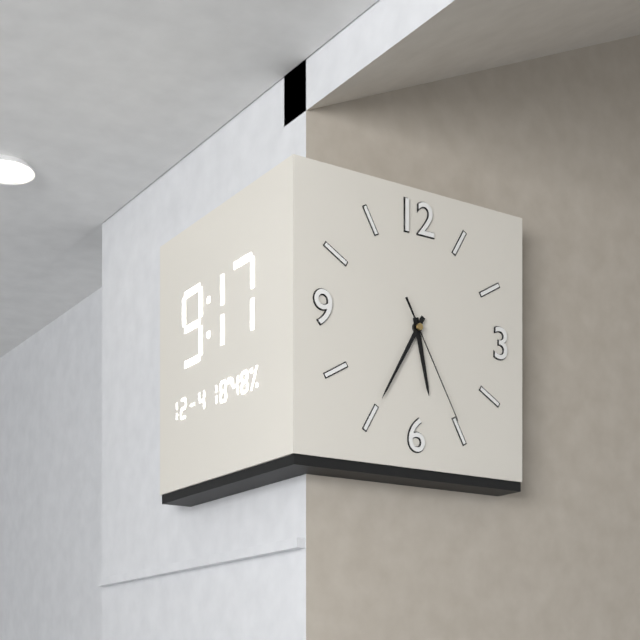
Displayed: **5:35:25**
